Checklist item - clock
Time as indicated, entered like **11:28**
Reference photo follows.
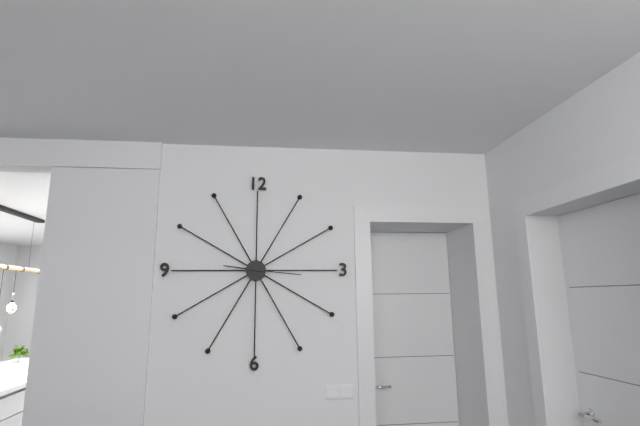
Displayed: **9:16**
